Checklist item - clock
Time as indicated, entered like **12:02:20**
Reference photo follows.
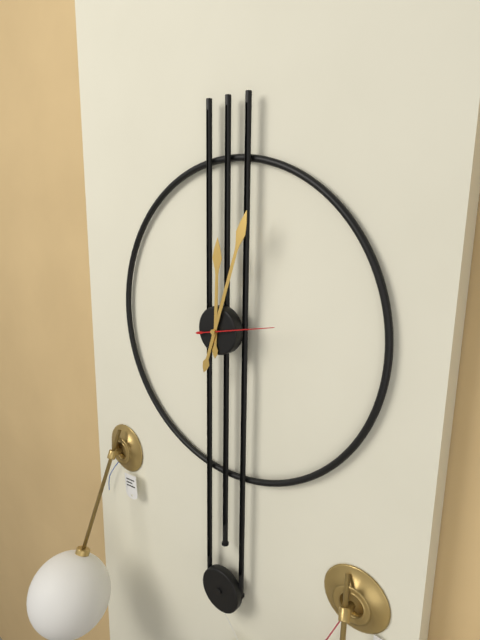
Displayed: **12:03:13**
